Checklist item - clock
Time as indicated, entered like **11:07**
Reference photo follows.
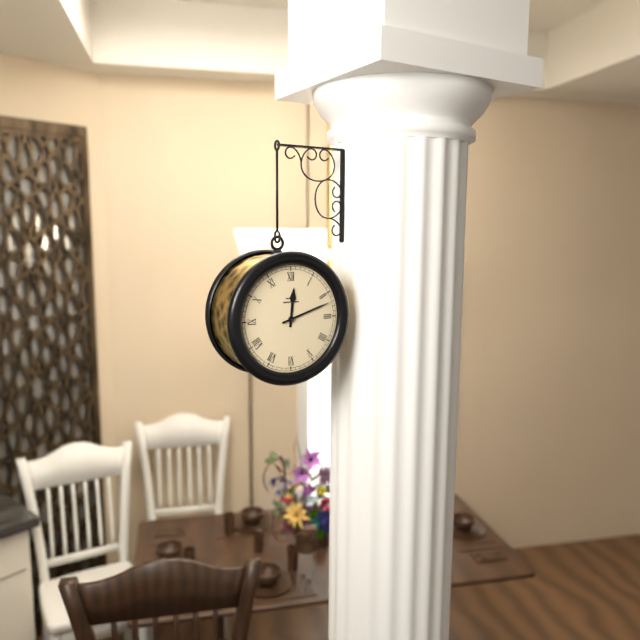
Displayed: **12:12**
